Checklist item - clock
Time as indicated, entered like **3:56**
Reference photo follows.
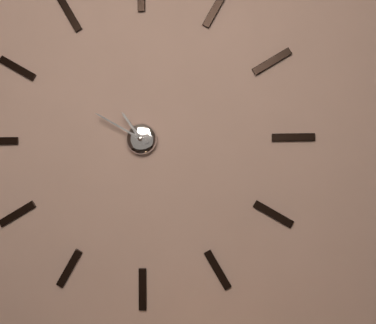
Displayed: **10:50**
